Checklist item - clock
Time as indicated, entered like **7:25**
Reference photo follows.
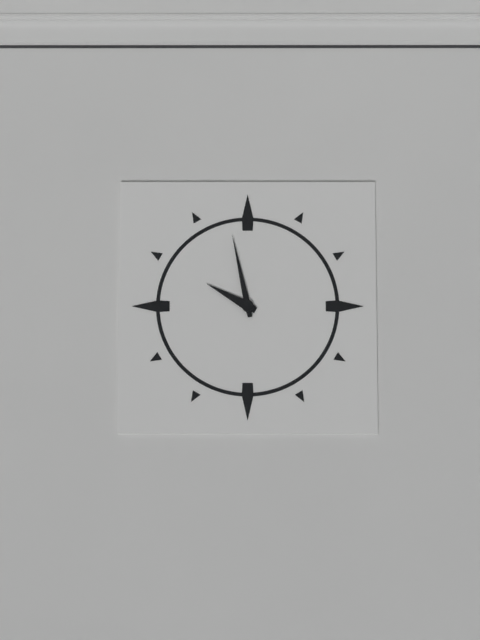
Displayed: **9:58**
